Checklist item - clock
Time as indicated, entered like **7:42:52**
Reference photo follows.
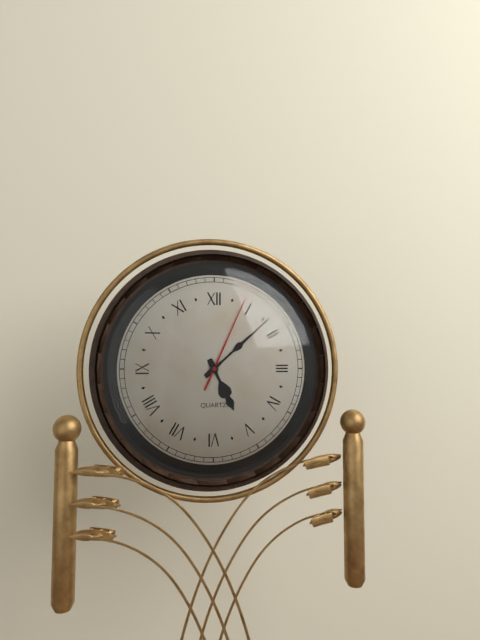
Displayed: **5:08:04**
